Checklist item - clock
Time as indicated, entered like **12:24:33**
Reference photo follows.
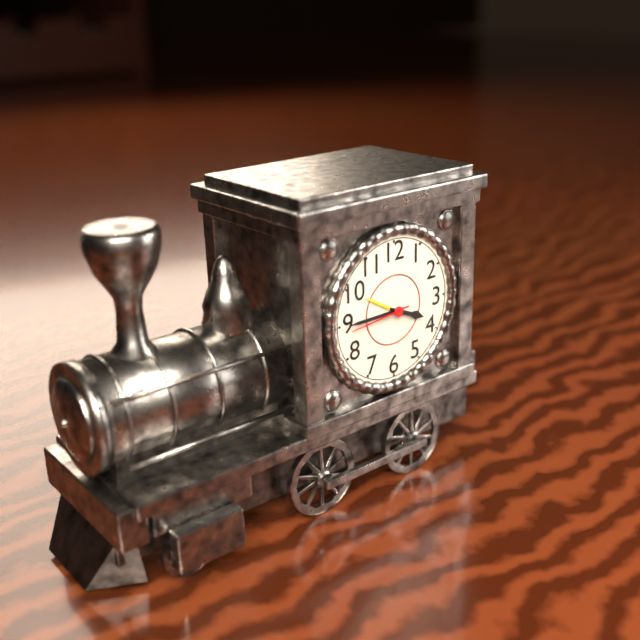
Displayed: **3:45:44**
